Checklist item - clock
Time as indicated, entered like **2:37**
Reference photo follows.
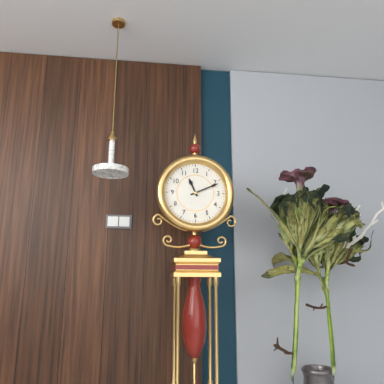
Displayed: **11:11**
